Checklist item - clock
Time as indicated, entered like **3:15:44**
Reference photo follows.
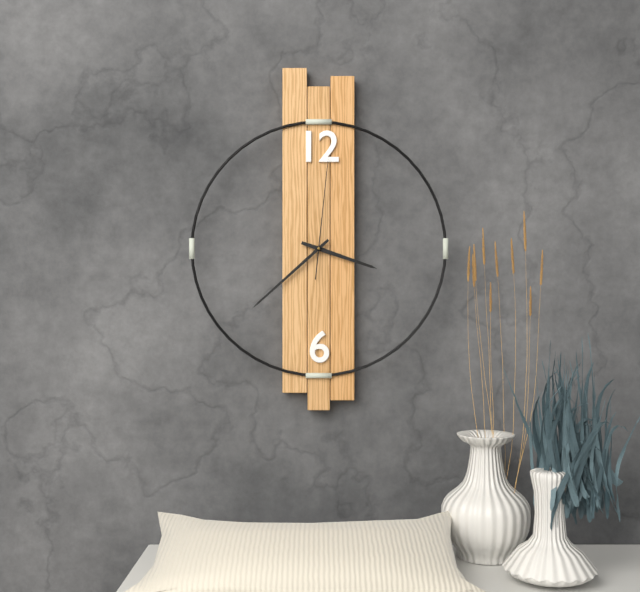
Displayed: **3:38:01**
